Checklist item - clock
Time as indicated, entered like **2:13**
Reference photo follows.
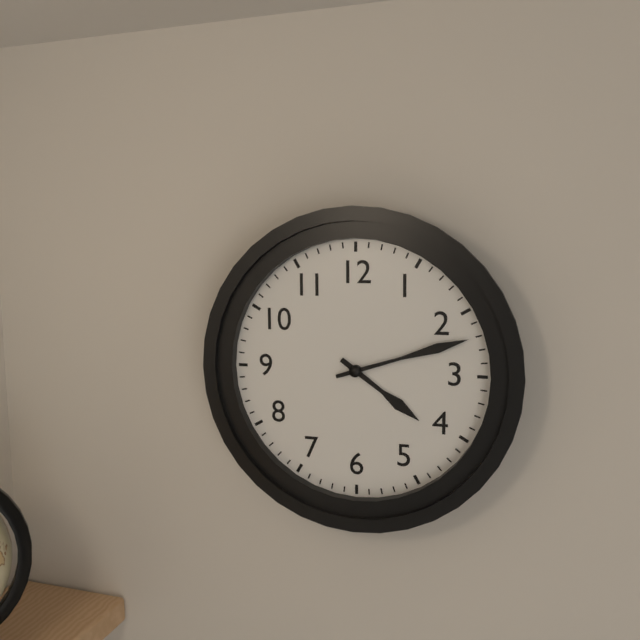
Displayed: **4:12**
